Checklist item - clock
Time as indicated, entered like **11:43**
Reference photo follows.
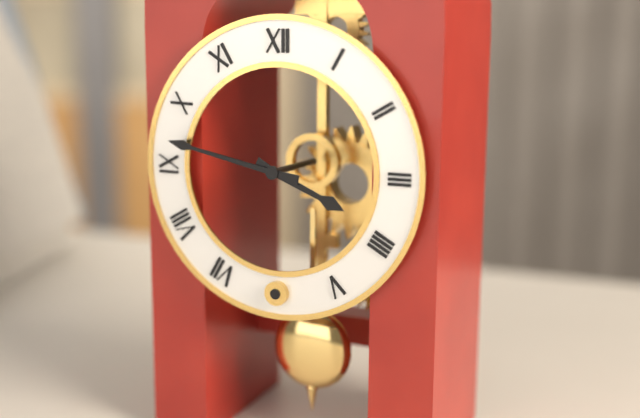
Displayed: **3:47**
